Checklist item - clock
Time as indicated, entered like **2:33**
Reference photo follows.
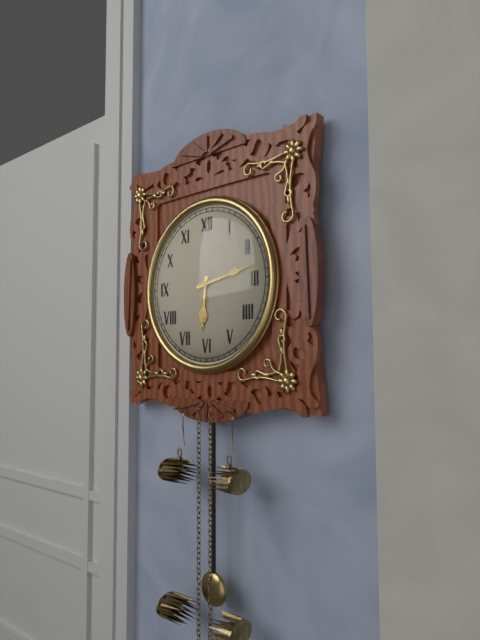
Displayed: **6:13**
